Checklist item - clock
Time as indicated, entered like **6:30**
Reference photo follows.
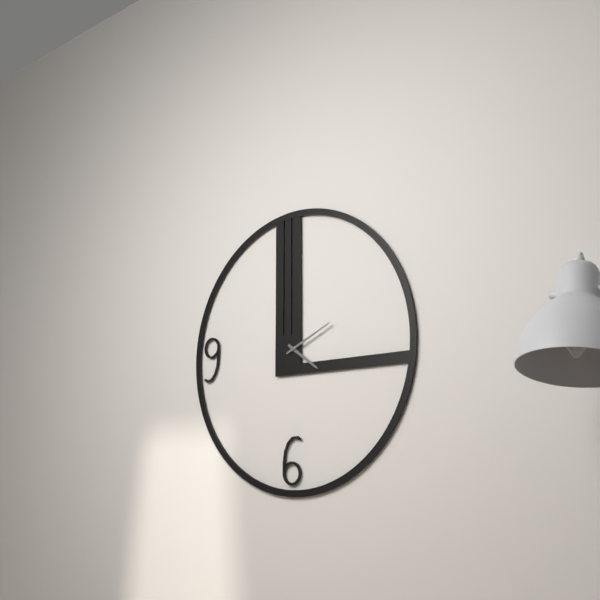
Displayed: **4:11**
